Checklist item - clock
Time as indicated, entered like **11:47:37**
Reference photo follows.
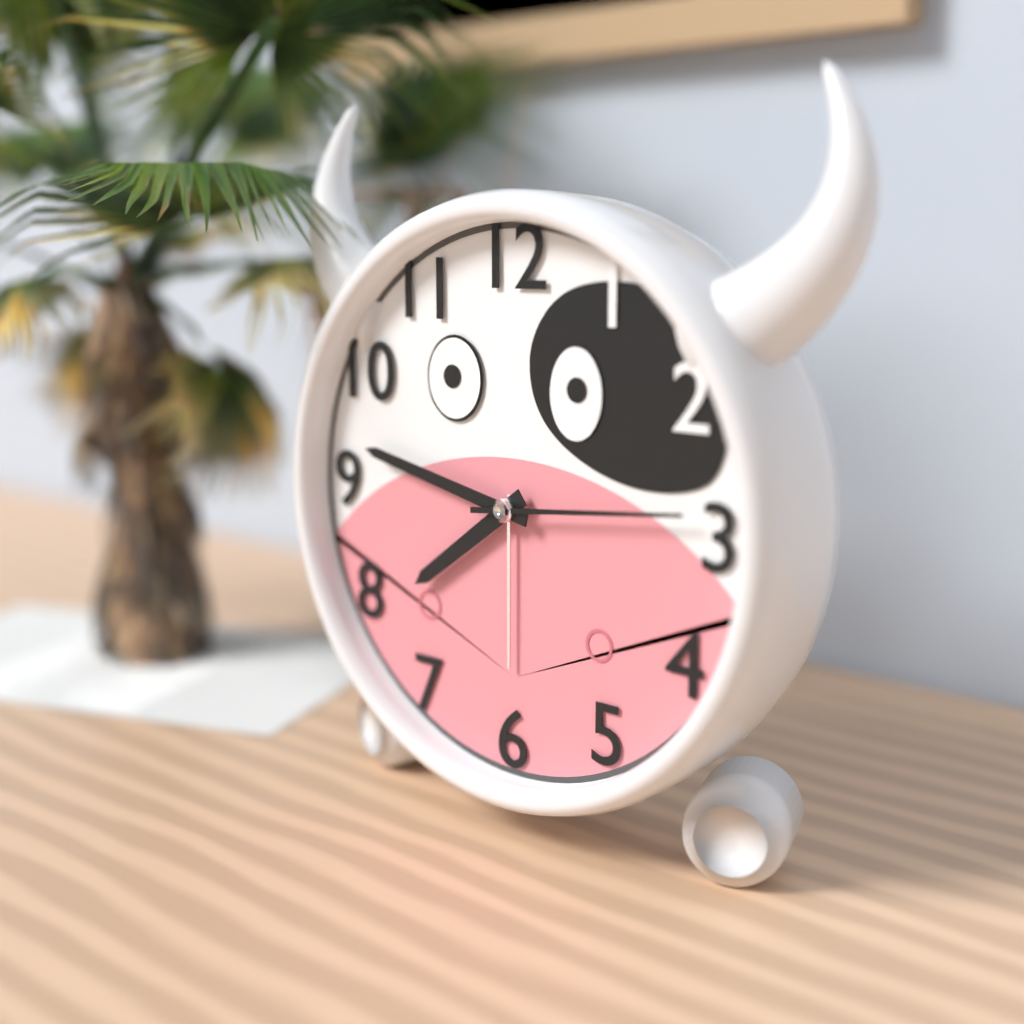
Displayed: **7:47:14**
